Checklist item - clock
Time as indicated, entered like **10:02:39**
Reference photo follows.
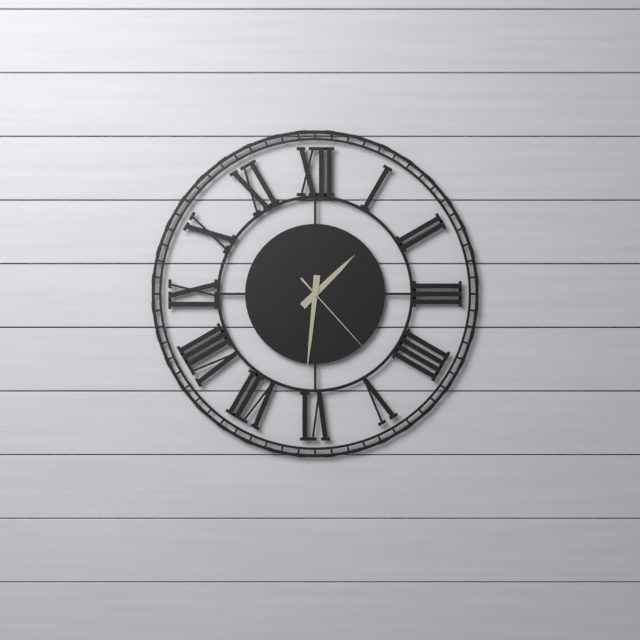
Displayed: **1:31:23**
